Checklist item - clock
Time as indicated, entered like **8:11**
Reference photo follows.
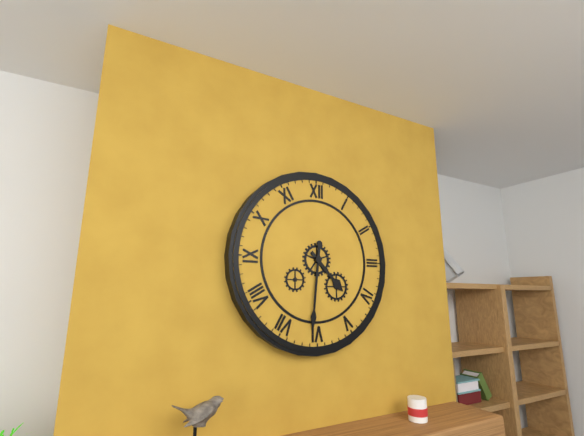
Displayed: **4:31**
